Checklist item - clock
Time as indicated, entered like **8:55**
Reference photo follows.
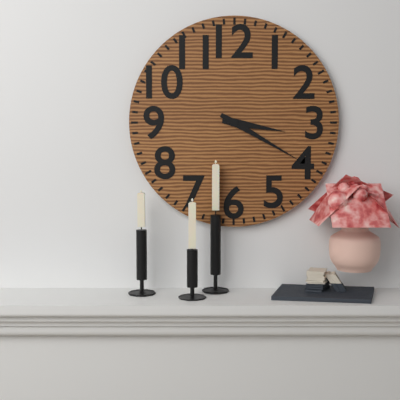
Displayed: **3:20**
